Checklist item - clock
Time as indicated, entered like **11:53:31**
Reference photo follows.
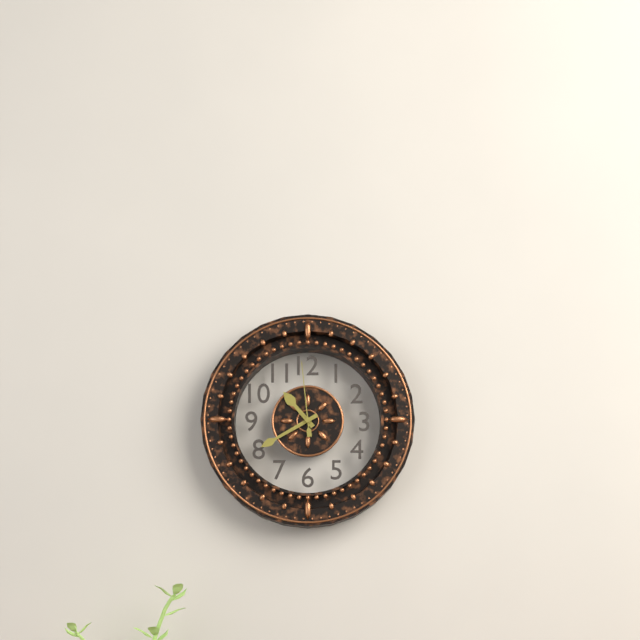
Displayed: **10:40:59**
